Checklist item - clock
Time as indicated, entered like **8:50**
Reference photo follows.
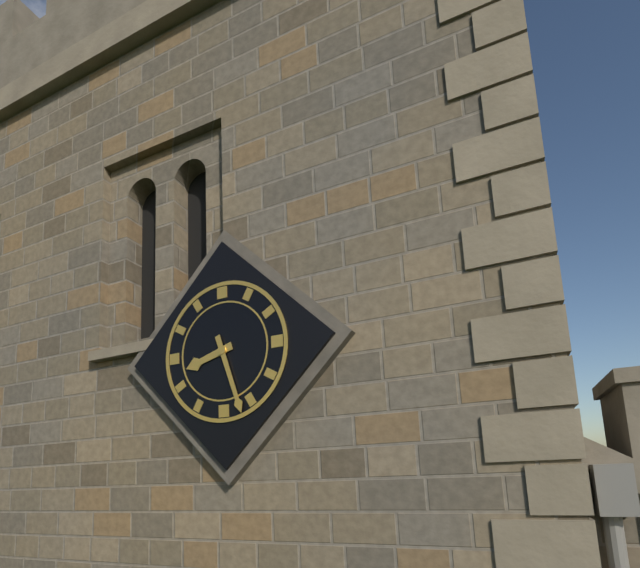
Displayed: **8:27**
